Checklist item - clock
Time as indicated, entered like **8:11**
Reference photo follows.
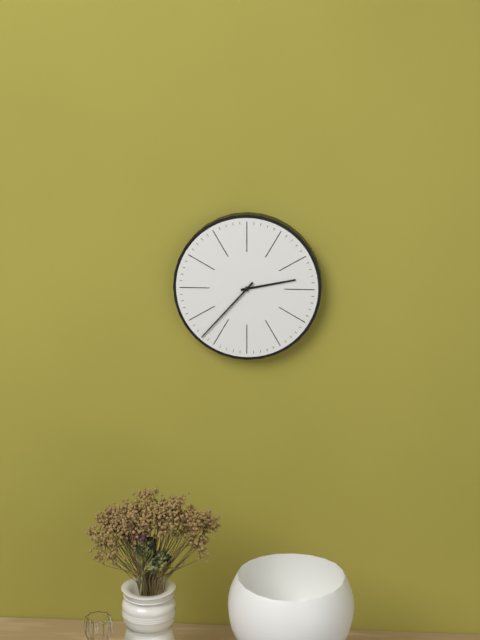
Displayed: **2:37**
